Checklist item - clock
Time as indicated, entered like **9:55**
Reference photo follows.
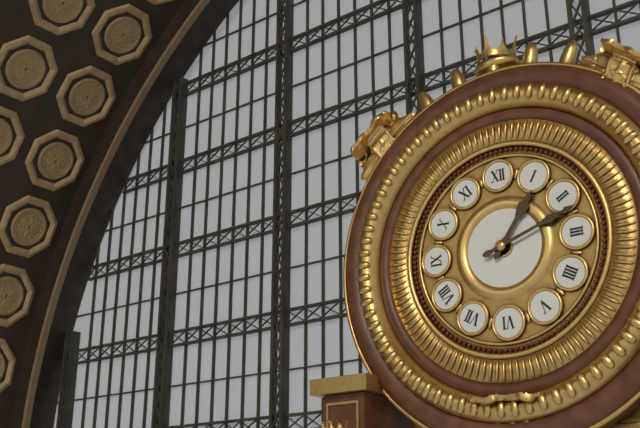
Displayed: **1:12**
